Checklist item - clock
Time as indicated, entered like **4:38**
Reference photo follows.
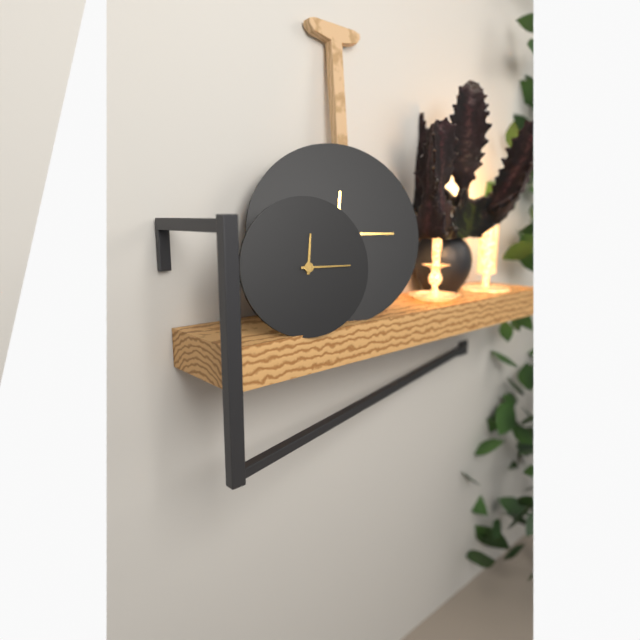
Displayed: **12:15**
